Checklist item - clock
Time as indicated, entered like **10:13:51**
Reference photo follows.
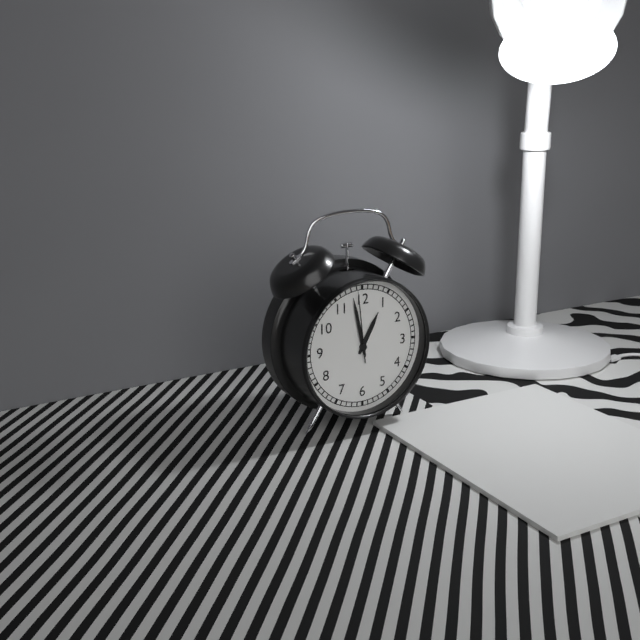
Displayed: **12:58:59**
